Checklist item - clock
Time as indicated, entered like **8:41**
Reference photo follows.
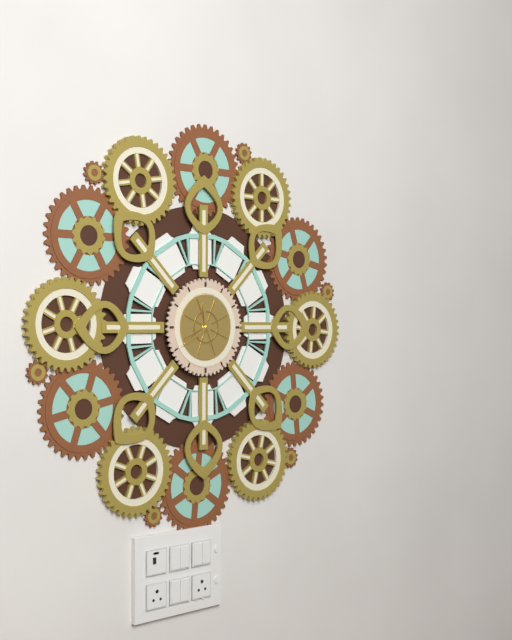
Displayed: **11:40**
